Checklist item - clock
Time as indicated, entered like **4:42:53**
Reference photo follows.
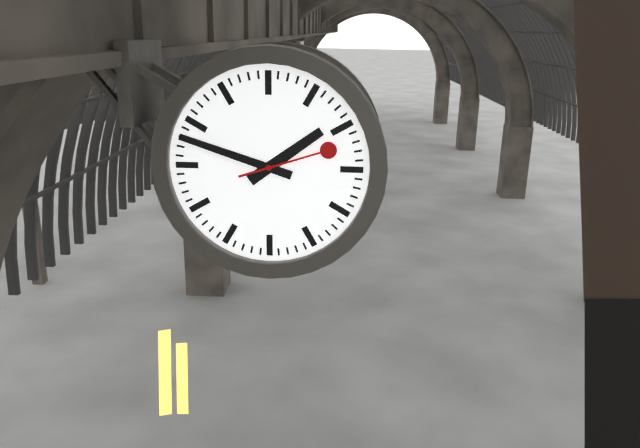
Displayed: **1:48:12**
